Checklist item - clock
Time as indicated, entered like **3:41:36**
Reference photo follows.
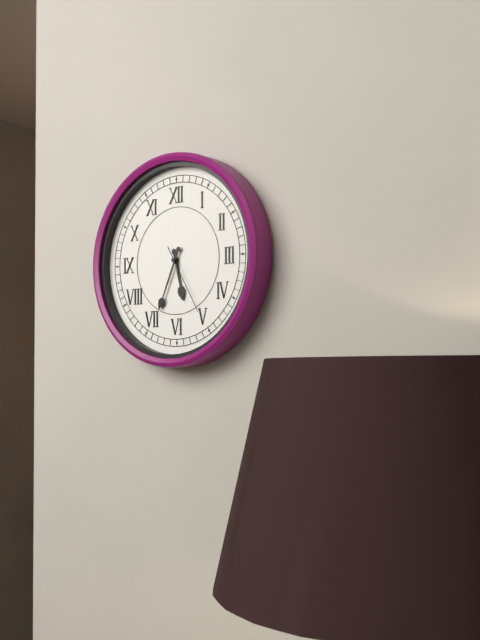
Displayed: **5:34:25**
